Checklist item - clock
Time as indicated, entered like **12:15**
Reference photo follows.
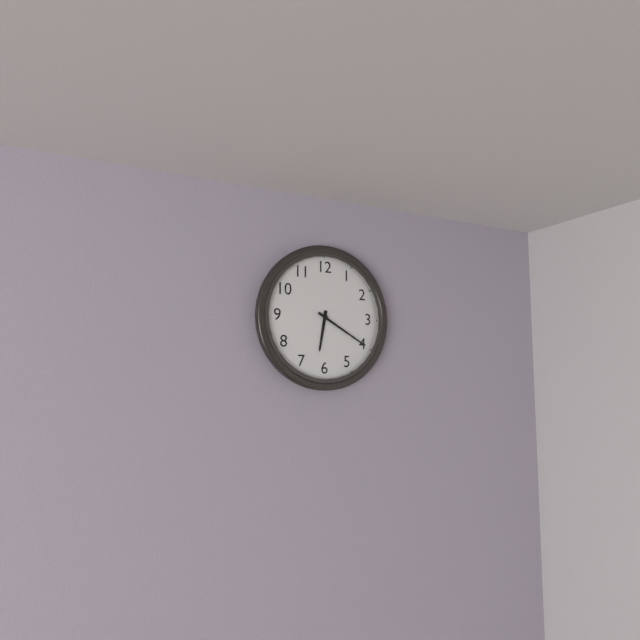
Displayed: **6:20**
